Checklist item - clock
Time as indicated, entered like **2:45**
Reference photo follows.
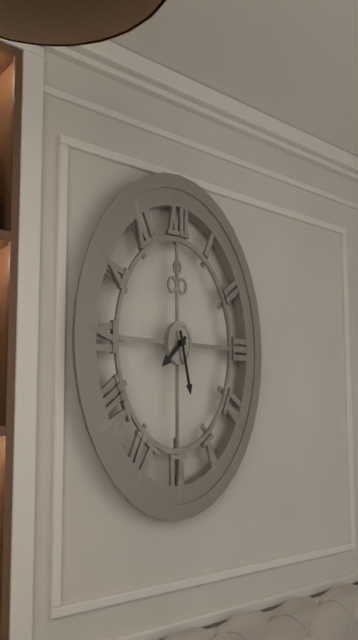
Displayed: **7:28**
